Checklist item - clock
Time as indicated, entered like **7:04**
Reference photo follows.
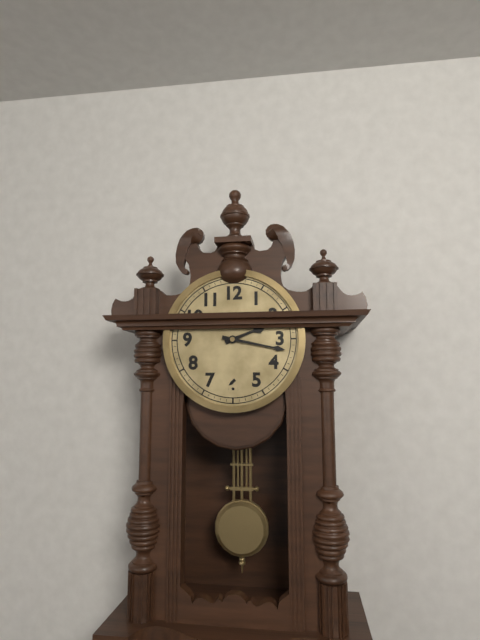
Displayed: **2:17**
